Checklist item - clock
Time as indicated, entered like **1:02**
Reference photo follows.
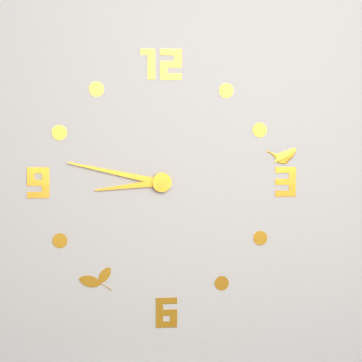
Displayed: **8:47**
